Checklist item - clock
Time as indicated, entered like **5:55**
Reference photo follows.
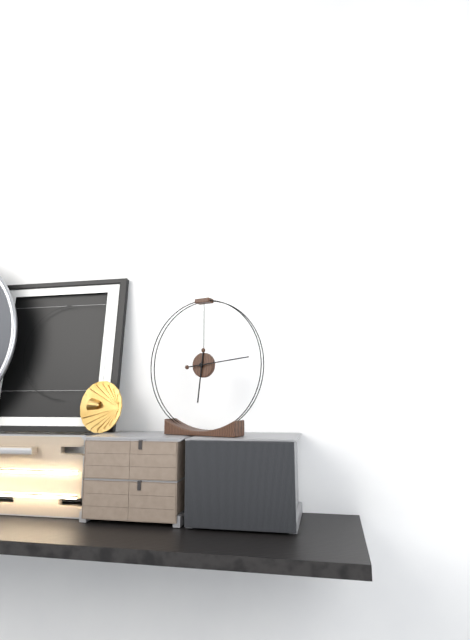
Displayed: **6:14**
